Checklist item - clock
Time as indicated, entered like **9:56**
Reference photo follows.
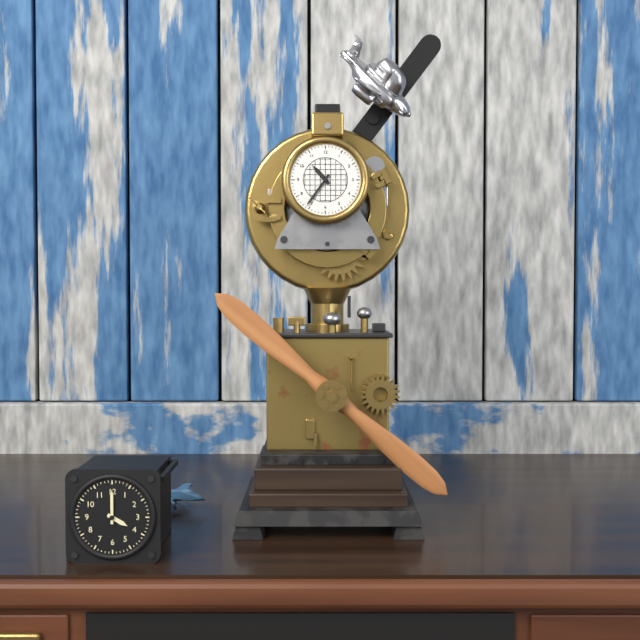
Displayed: **10:36**
